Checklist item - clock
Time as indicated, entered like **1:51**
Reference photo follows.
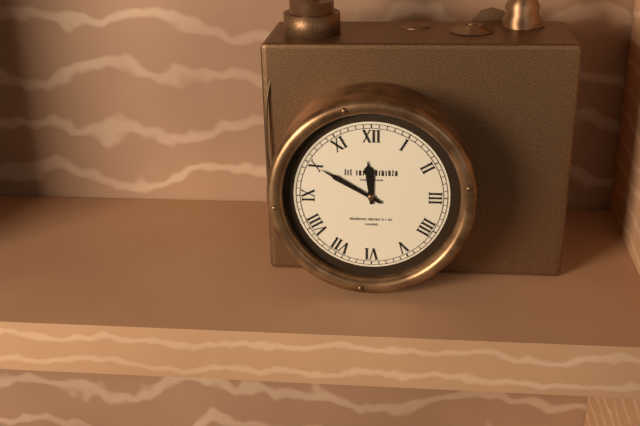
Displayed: **11:50**
